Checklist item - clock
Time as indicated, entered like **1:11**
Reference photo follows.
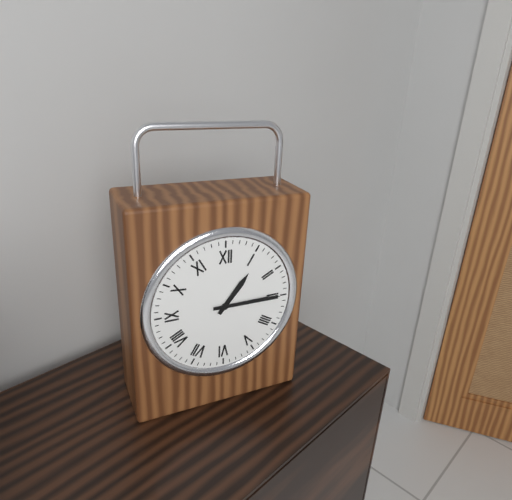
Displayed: **1:15**
